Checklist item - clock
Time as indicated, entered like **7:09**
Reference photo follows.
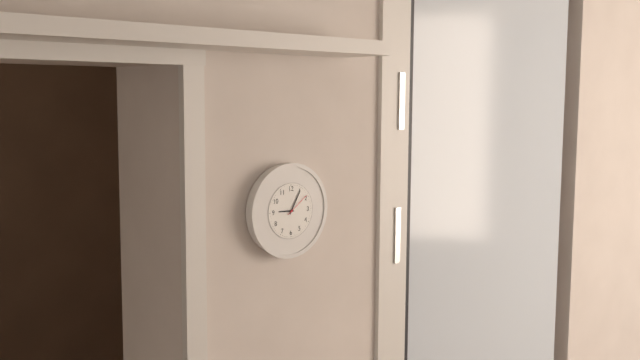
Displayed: **9:05**
